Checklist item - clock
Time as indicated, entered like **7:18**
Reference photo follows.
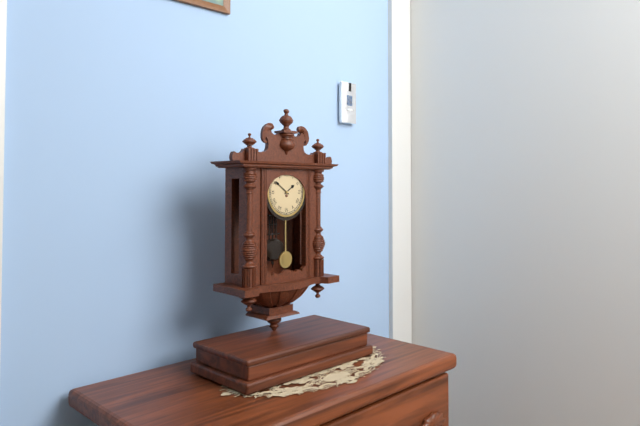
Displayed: **1:51**
